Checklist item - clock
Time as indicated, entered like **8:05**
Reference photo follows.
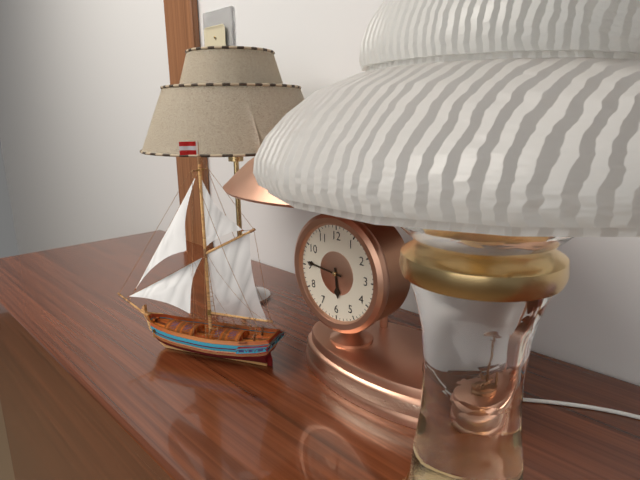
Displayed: **5:46**
